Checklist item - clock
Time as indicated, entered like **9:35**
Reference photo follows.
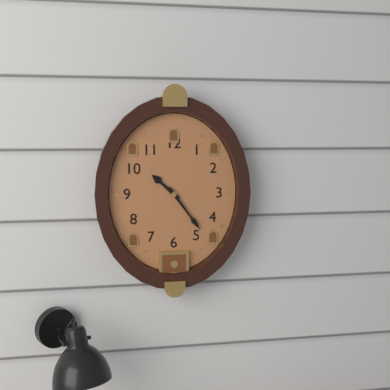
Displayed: **10:24**
